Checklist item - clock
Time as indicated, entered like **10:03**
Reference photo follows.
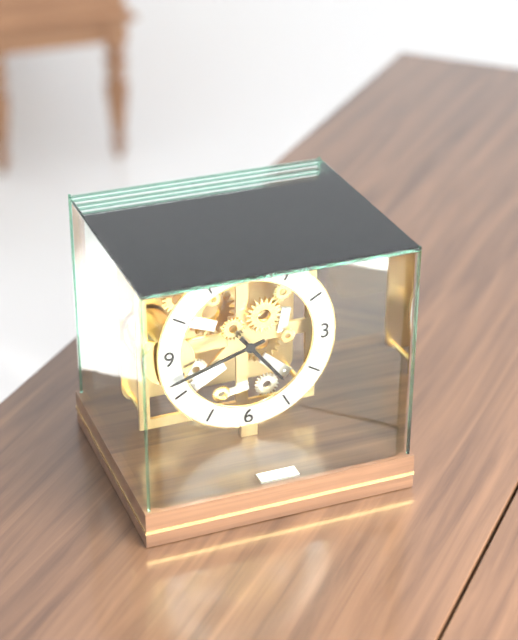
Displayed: **4:42**
